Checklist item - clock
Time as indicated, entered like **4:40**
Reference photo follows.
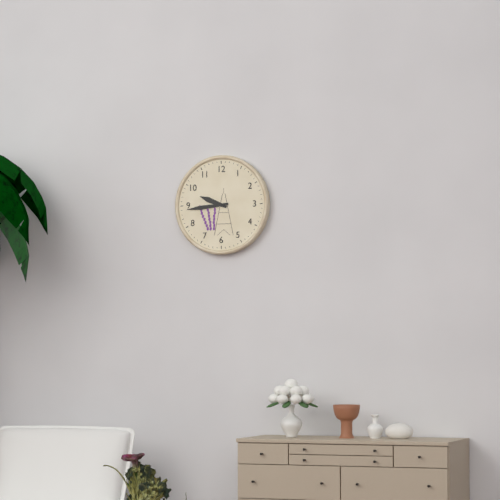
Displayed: **9:44**
